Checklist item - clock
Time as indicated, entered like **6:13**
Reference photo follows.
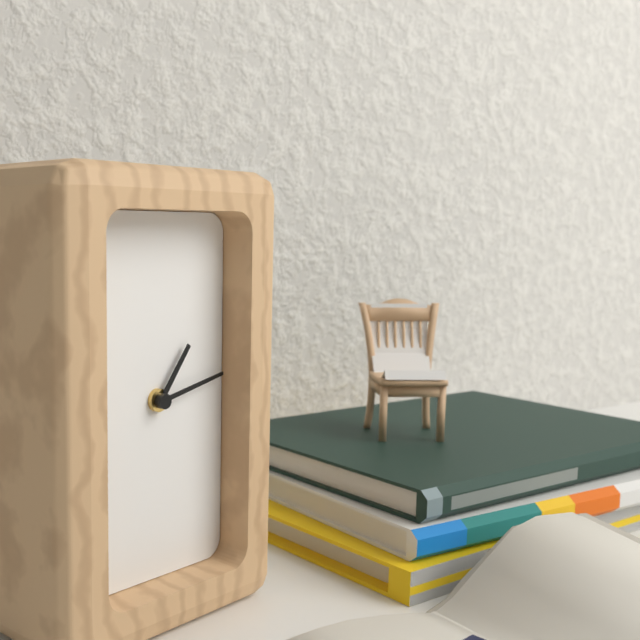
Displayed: **1:13**
